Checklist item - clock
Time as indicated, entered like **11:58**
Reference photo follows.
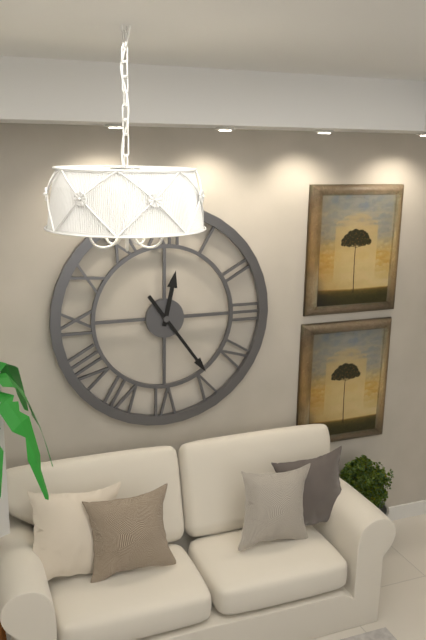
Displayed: **12:24**
